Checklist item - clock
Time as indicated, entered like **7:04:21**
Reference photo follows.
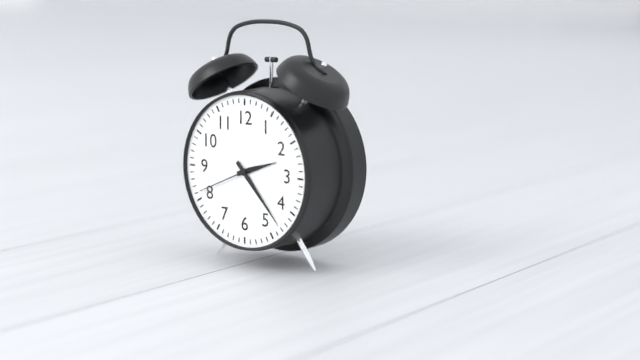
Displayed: **2:23:41**
